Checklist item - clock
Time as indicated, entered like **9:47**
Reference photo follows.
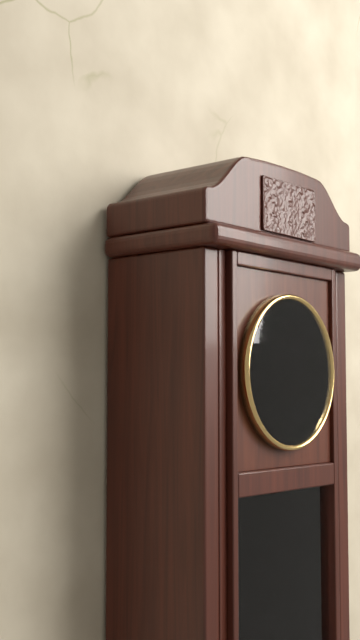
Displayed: **9:44**
